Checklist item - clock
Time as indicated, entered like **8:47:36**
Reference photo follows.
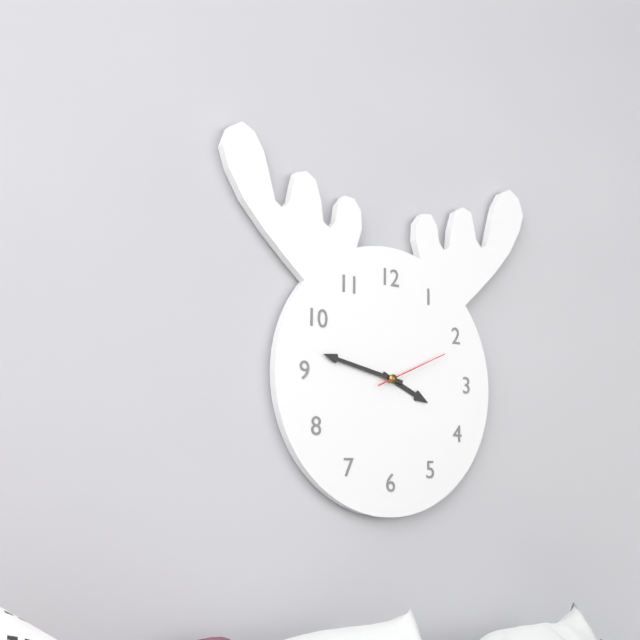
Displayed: **3:47:11**
